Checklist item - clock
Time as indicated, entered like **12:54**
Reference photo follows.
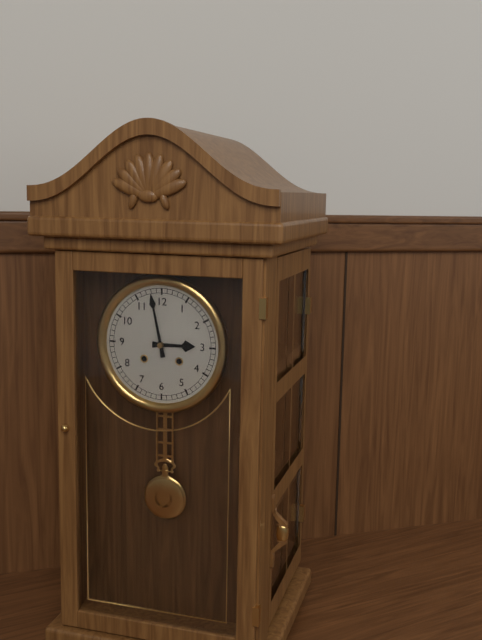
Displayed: **2:58**
